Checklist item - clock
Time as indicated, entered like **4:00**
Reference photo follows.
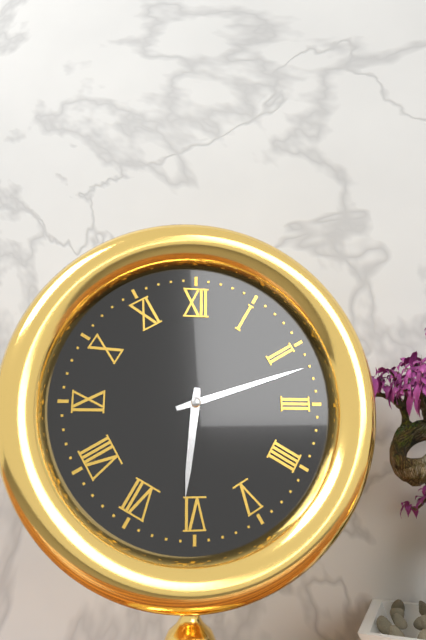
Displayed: **6:12**
